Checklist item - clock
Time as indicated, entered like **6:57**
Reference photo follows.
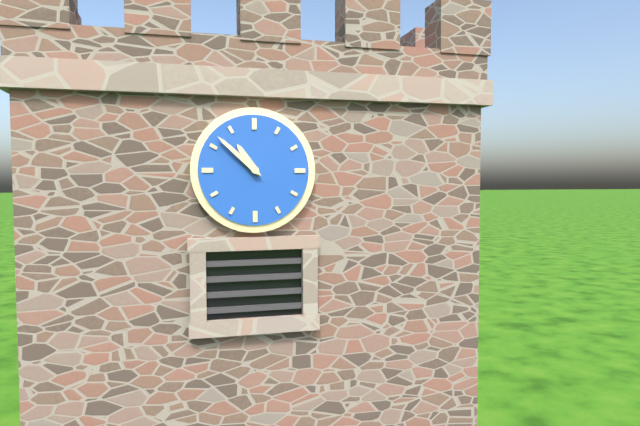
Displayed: **10:52**
